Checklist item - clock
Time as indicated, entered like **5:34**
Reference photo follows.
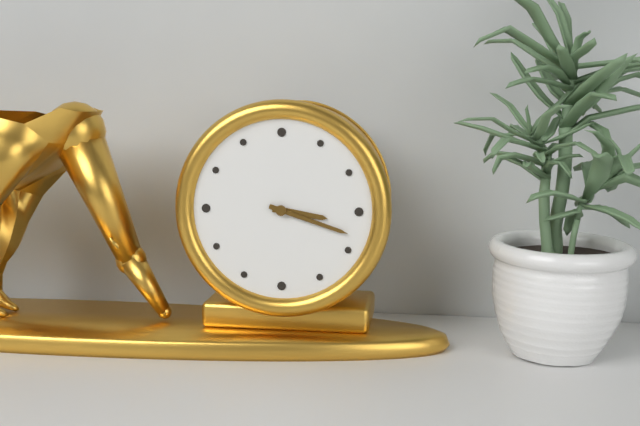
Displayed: **3:18**
